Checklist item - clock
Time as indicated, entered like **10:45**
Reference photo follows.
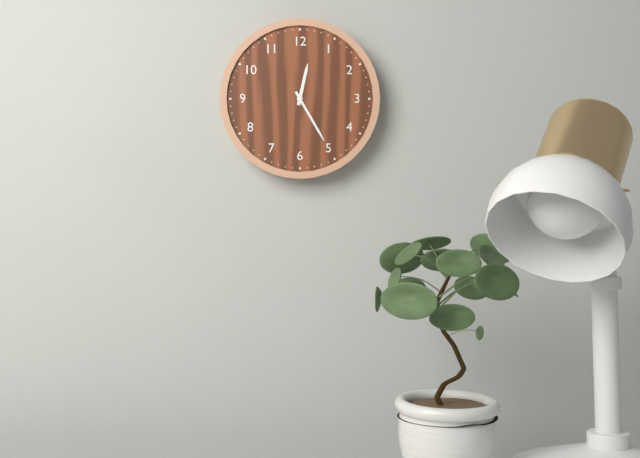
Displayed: **12:25**
